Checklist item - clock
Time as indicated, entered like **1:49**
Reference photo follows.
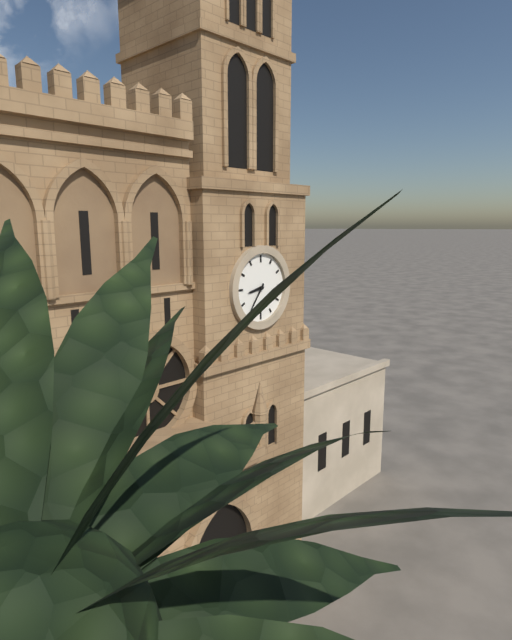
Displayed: **8:36**
